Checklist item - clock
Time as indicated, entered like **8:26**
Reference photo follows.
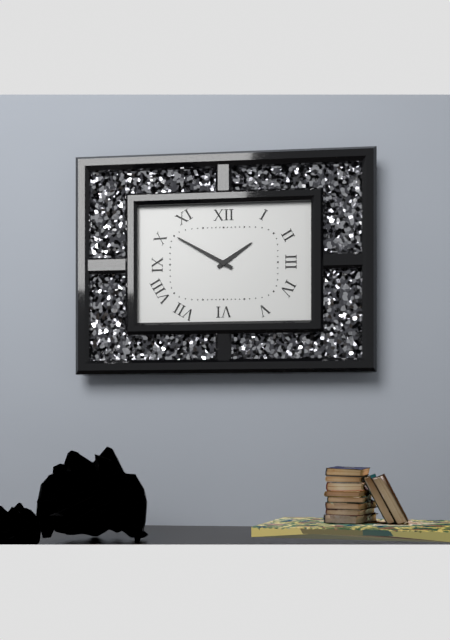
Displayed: **1:50**
